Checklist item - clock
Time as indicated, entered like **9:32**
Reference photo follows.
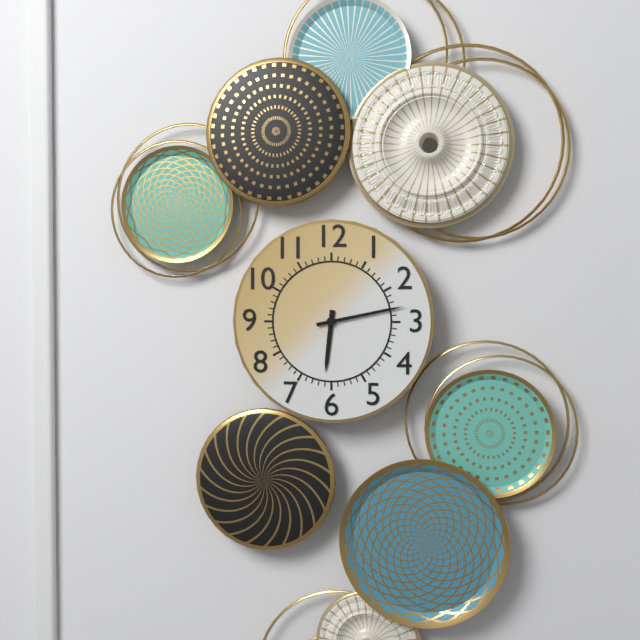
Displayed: **6:13**
